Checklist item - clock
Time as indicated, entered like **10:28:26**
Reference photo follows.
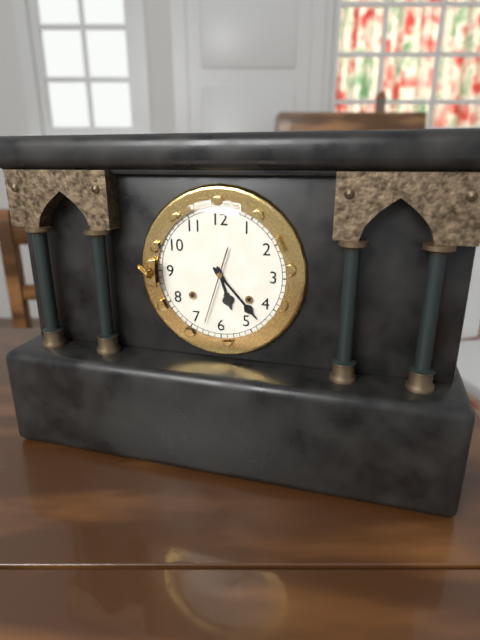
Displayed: **5:23:33**
